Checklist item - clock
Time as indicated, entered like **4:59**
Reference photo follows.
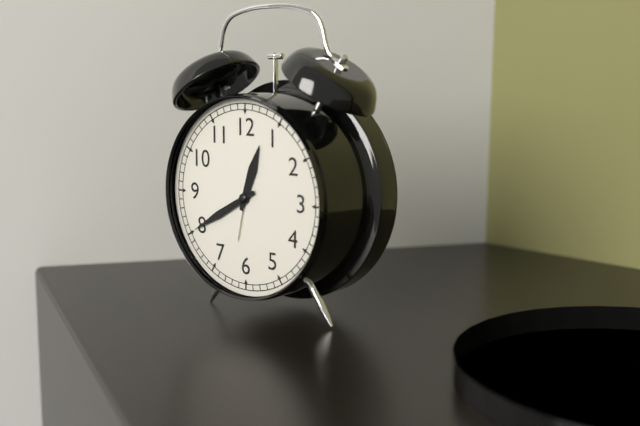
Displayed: **12:40**
